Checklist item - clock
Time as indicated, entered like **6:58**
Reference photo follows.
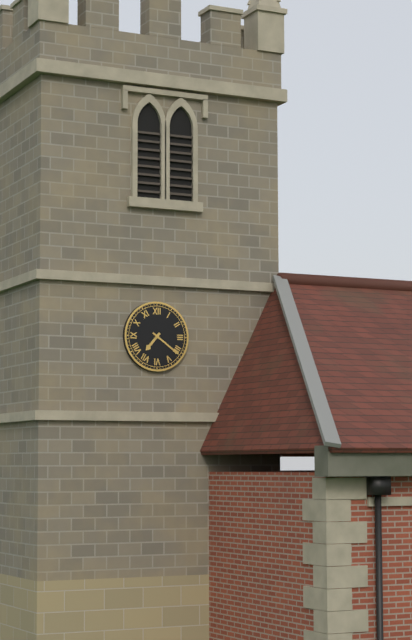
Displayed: **7:21**
